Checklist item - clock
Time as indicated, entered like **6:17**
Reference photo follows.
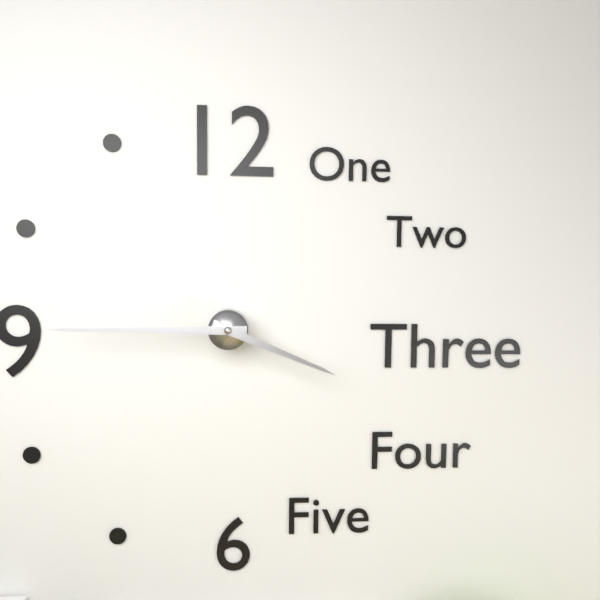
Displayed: **3:45**
